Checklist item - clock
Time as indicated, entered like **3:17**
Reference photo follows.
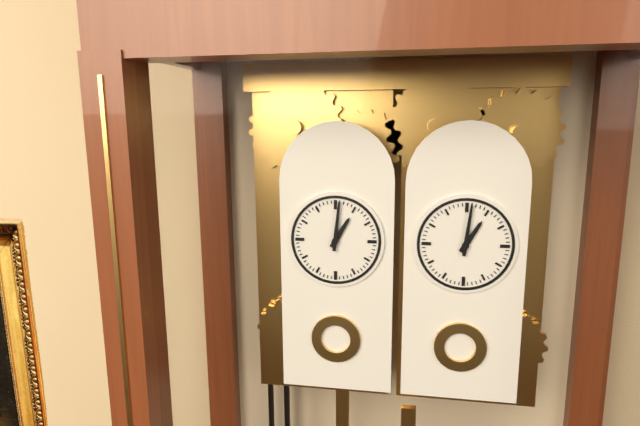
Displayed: **1:01**
